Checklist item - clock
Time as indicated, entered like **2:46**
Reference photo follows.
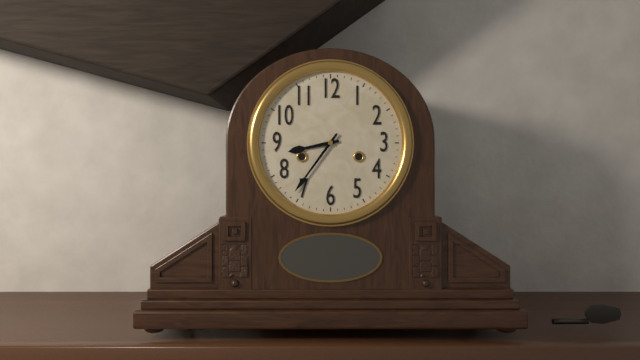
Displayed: **8:36**
